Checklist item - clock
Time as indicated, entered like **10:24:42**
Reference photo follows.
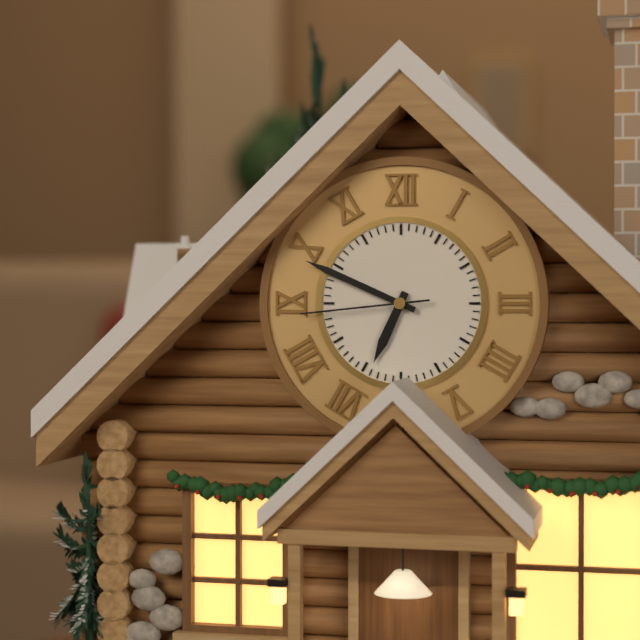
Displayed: **6:49:44**
